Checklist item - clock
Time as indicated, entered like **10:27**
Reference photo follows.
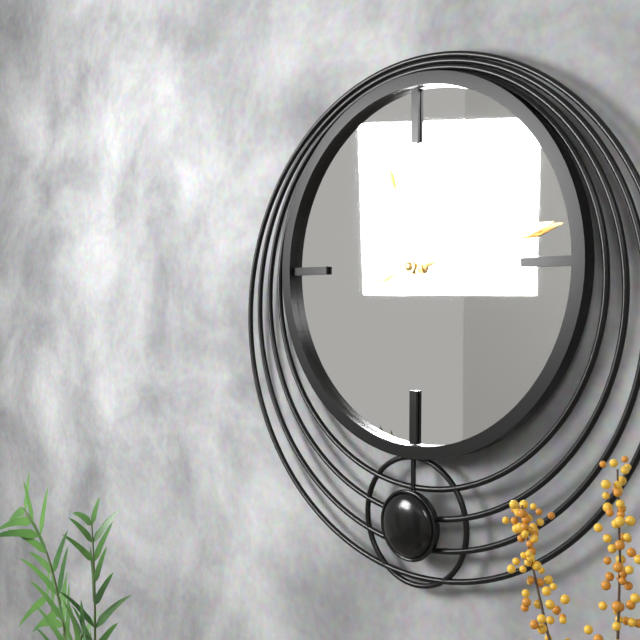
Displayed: **11:13**
